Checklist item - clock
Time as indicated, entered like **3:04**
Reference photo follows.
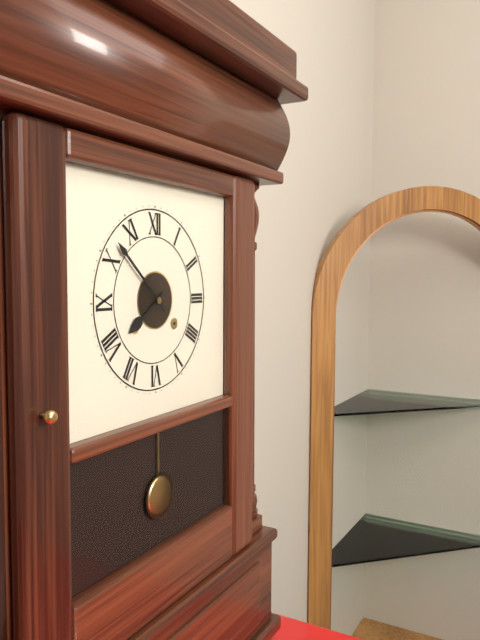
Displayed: **7:52**
